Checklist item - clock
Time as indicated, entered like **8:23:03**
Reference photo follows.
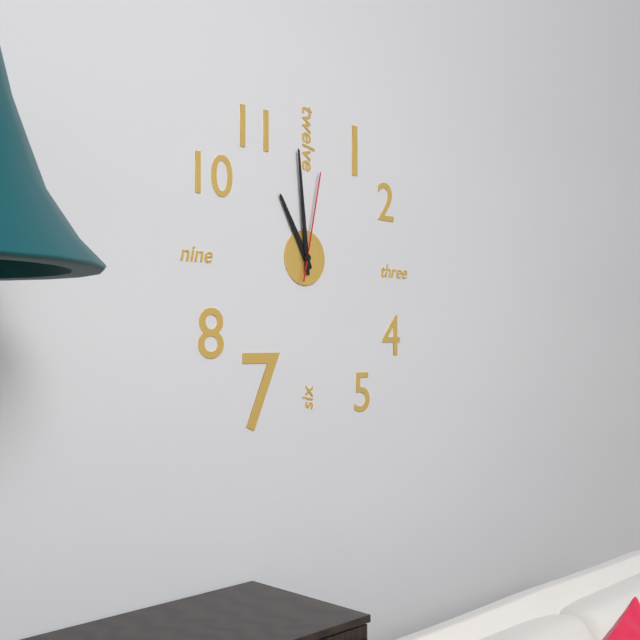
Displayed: **10:59:02**
